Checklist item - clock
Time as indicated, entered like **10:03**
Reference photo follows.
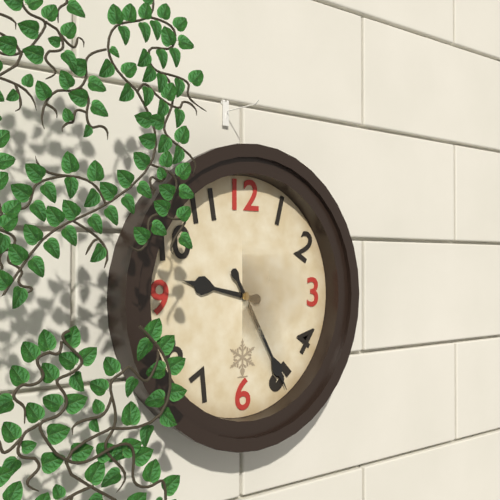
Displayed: **9:25**
